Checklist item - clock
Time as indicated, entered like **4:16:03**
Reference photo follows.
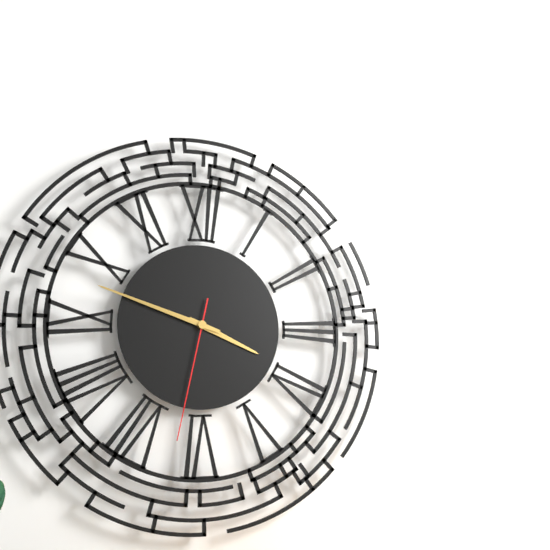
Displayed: **3:48:32**
